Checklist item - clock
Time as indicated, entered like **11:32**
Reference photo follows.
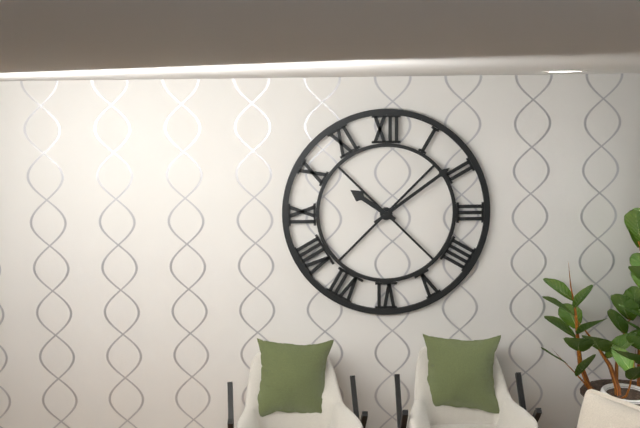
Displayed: **10:09**
